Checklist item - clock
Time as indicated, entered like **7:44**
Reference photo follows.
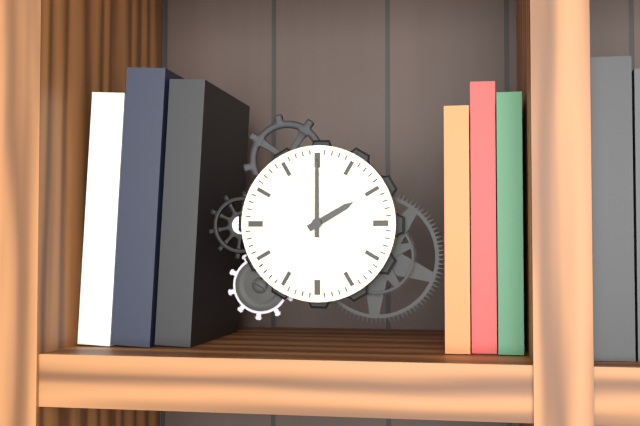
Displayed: **2:00**
